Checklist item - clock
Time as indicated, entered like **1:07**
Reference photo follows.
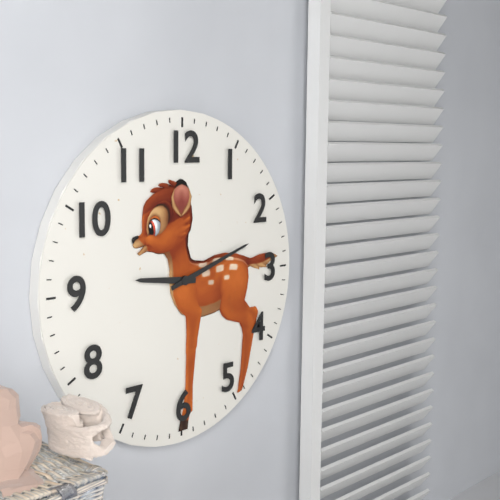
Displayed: **9:12**
